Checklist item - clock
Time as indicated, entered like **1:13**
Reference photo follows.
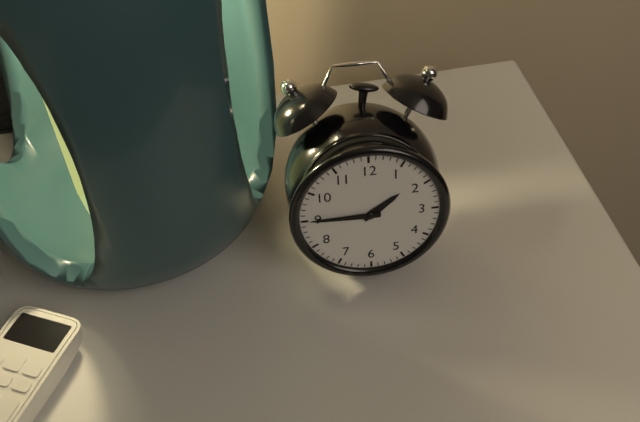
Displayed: **1:45**
